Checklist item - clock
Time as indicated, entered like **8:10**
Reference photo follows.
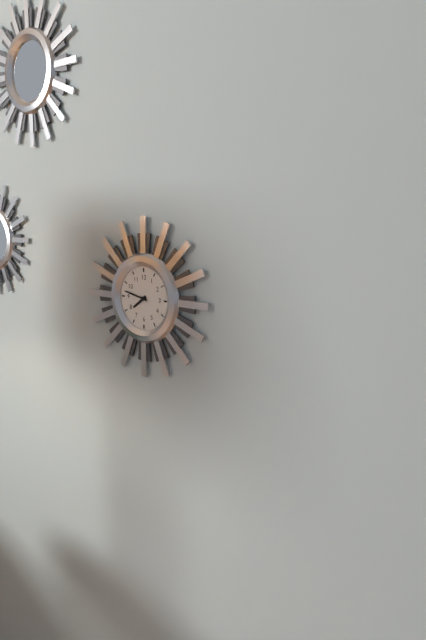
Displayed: **7:47**
